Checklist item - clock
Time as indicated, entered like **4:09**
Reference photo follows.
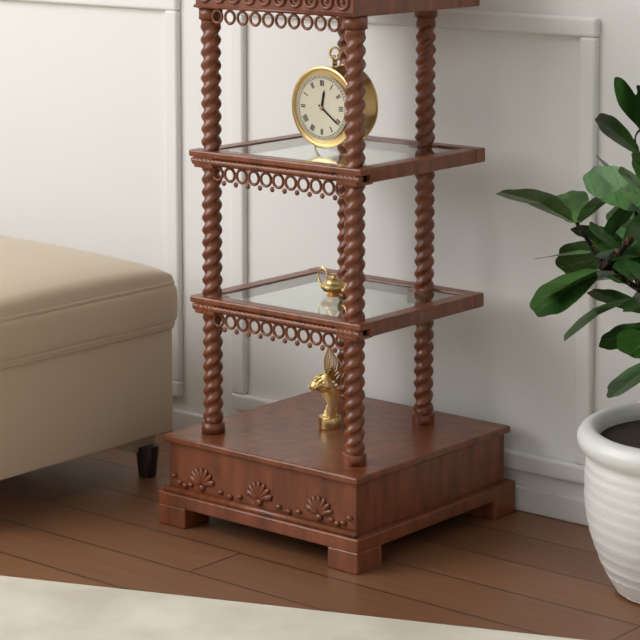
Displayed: **12:21**
